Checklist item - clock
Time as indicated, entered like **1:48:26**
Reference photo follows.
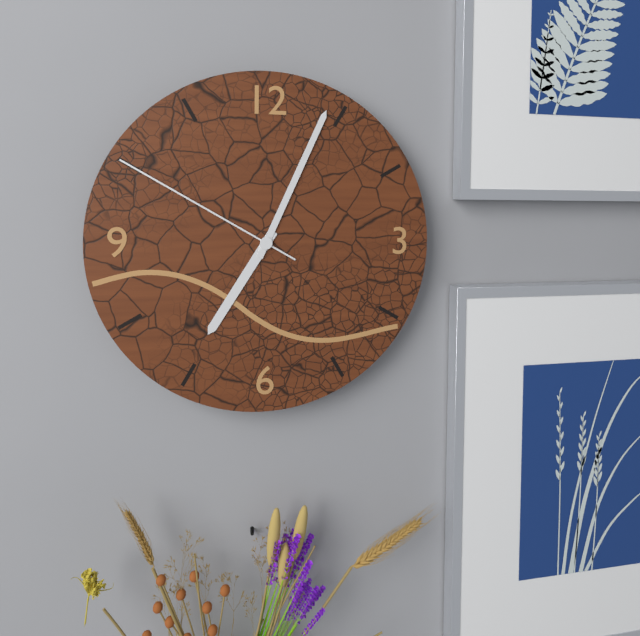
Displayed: **7:04:50**
